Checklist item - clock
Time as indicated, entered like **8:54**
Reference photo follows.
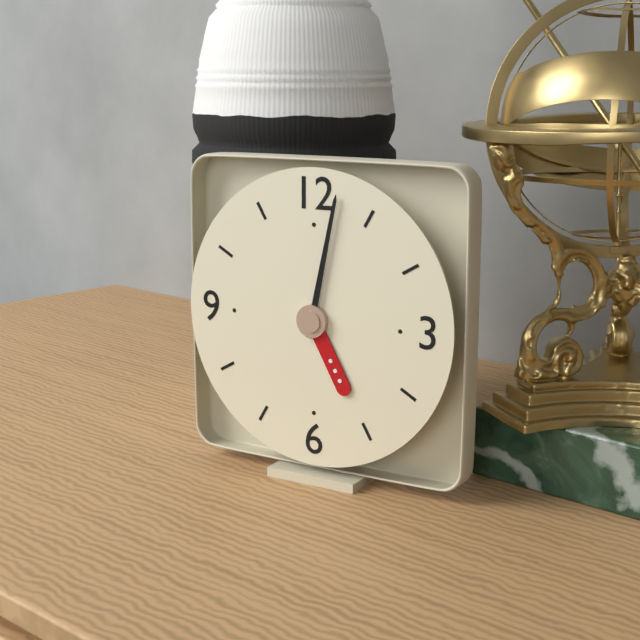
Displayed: **5:02**
